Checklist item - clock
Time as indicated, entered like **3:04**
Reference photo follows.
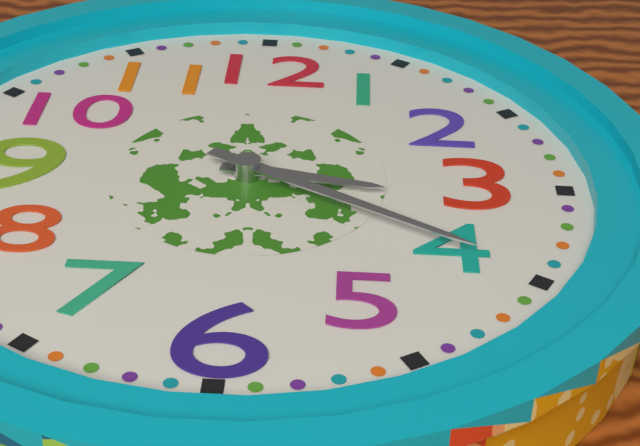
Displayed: **3:20**
